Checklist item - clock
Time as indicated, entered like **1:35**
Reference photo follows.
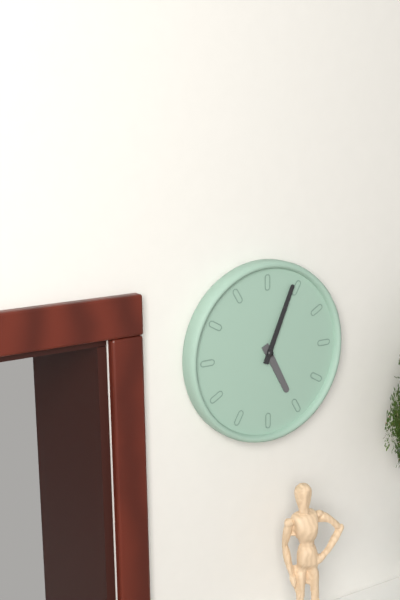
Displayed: **5:04**
